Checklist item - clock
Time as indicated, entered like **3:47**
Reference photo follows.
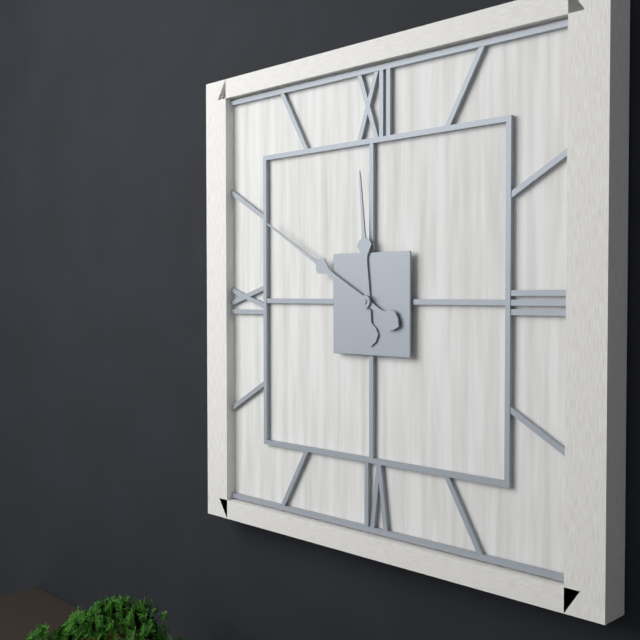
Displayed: **11:50**
